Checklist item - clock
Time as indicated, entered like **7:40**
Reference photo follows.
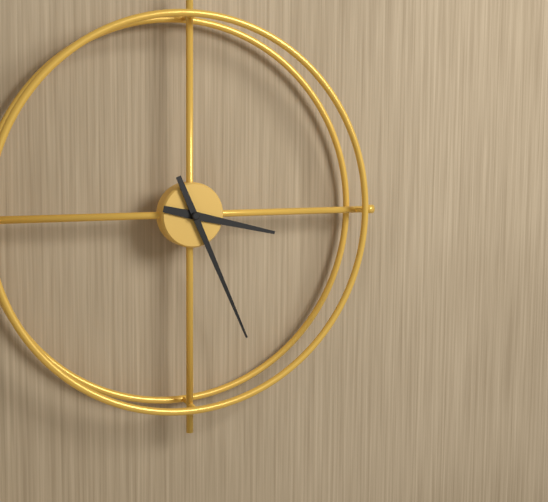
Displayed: **3:26**
